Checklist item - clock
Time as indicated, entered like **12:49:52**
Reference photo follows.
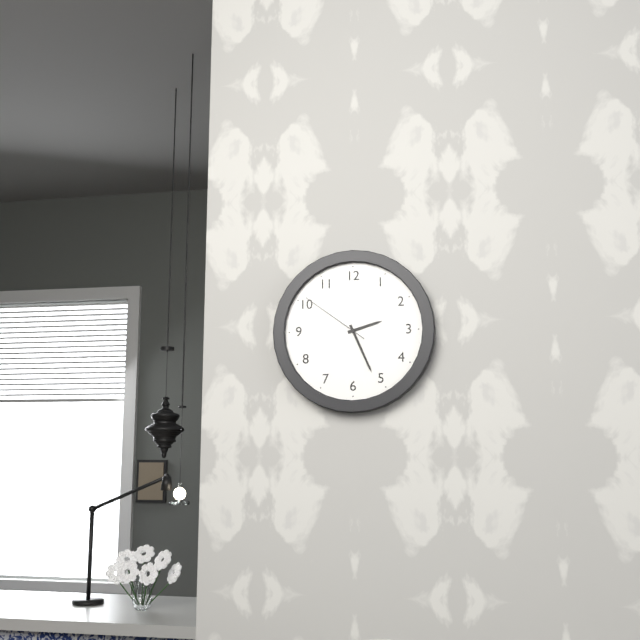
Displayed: **2:26:51**
